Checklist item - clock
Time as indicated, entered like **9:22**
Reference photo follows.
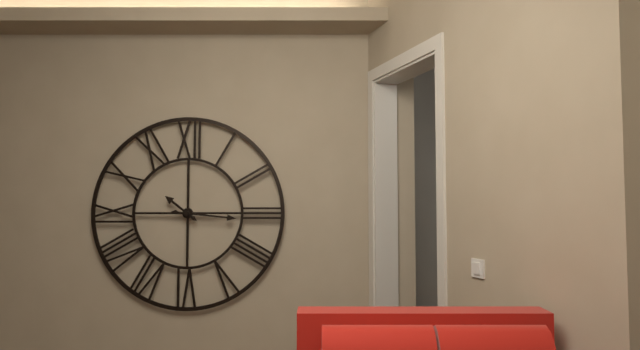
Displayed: **10:16**
